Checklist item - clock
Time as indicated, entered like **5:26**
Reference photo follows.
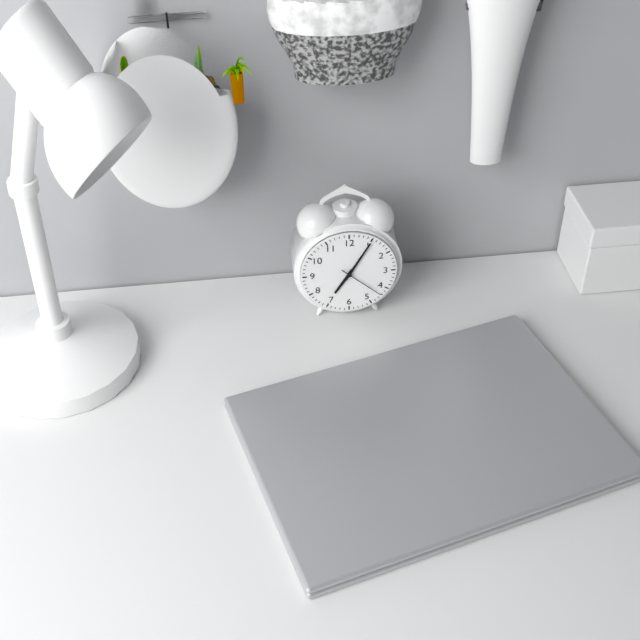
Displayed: **7:05**
